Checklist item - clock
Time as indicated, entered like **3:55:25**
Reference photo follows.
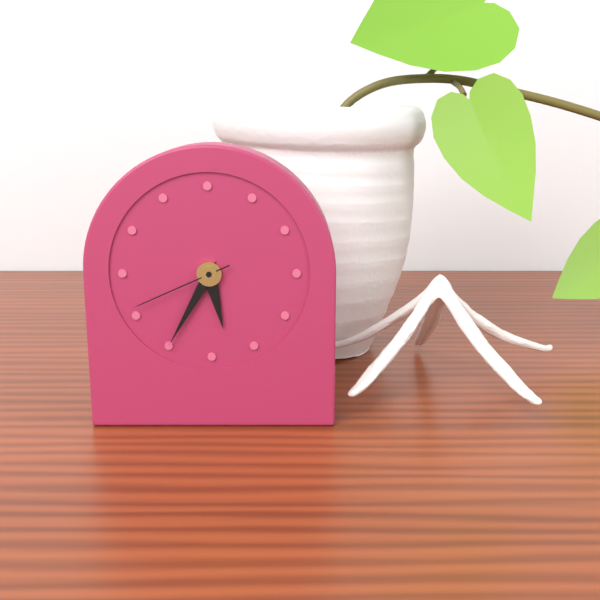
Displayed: **5:35:41**
